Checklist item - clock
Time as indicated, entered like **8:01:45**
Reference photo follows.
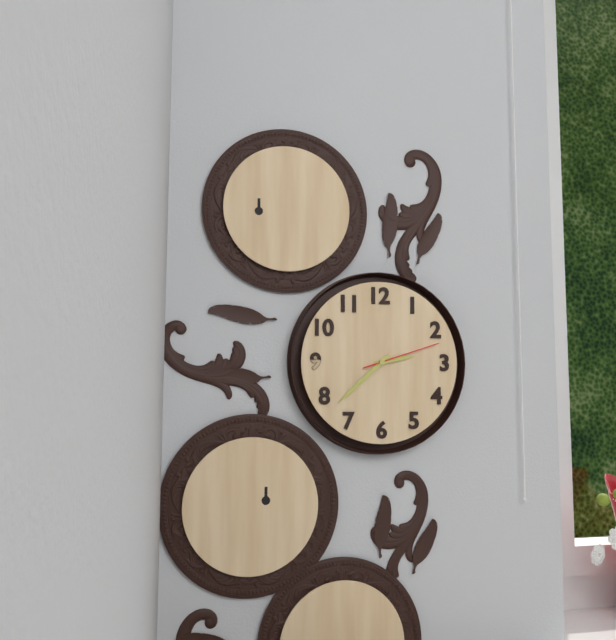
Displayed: **2:38:12**
